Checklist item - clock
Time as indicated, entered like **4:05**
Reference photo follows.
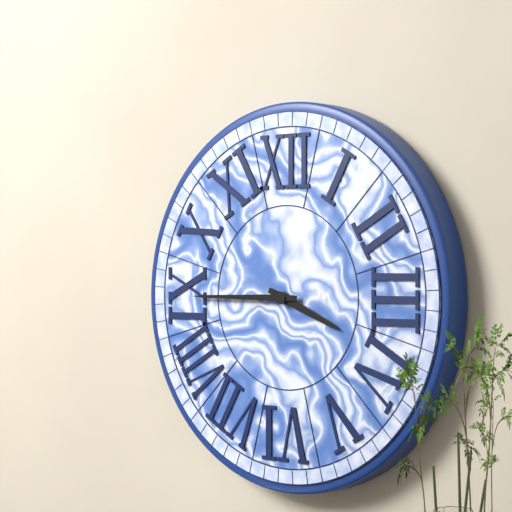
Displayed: **3:45**
